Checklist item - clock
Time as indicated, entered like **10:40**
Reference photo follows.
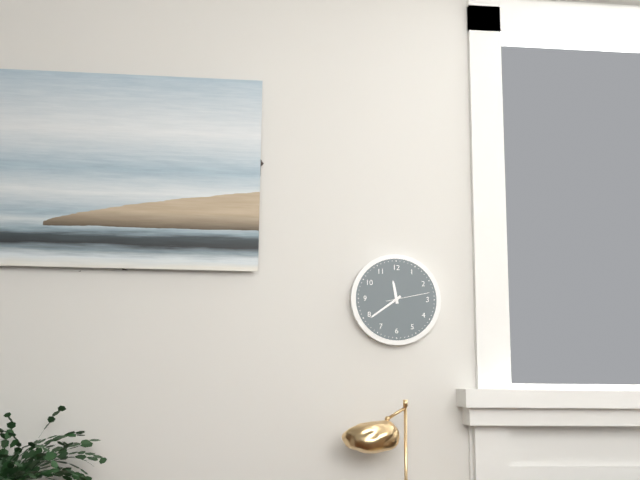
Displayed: **11:39**
